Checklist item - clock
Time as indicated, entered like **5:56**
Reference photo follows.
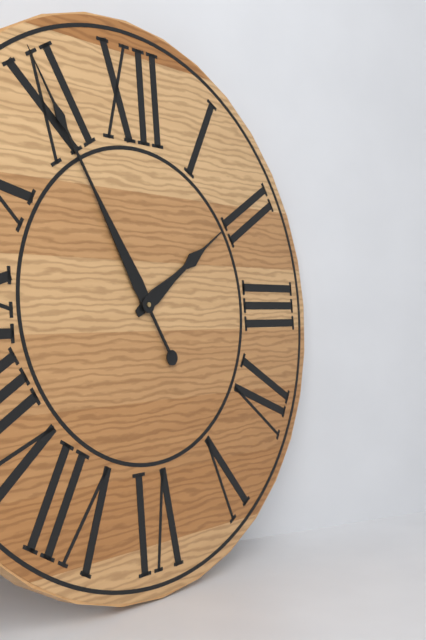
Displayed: **1:55**
